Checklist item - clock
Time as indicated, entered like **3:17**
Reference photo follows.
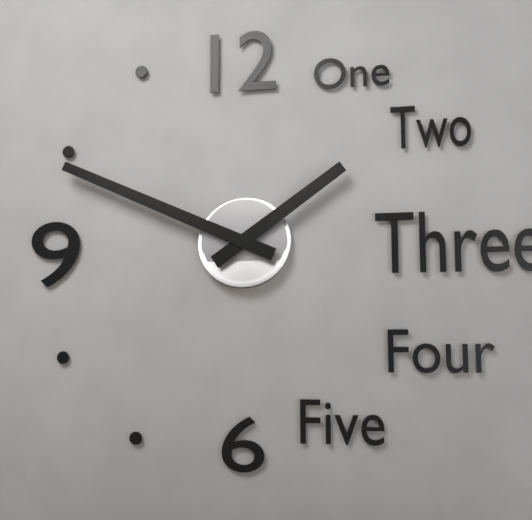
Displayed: **1:49**
